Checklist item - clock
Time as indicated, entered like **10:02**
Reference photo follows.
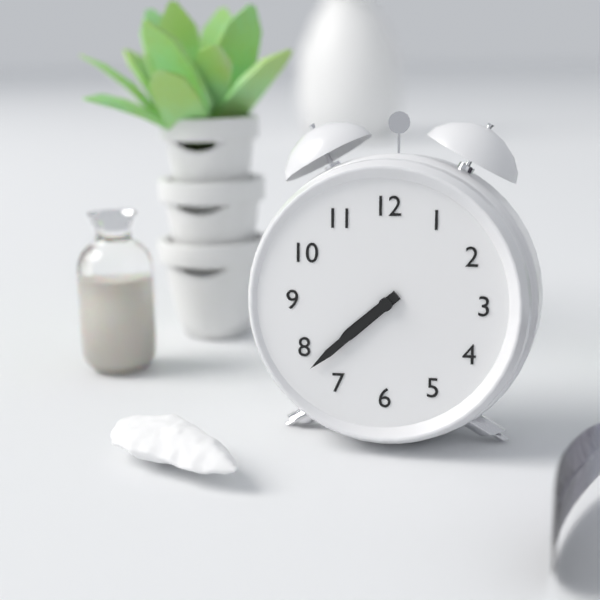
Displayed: **7:38**
